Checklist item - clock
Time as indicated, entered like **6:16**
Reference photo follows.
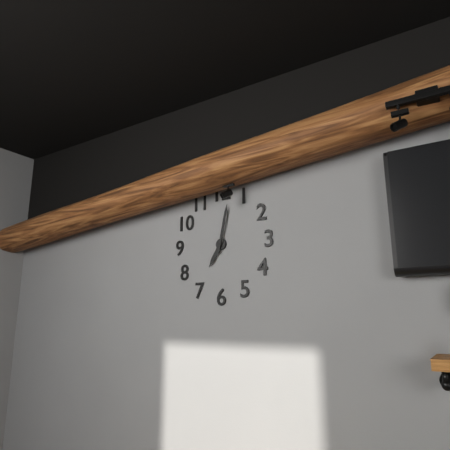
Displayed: **7:02**
